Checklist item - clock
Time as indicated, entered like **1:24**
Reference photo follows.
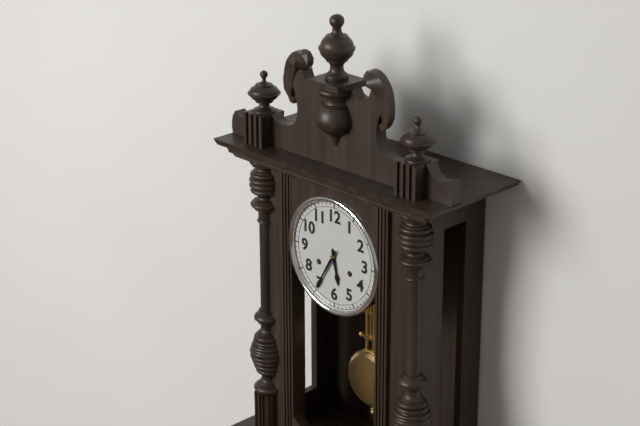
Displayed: **5:35**
